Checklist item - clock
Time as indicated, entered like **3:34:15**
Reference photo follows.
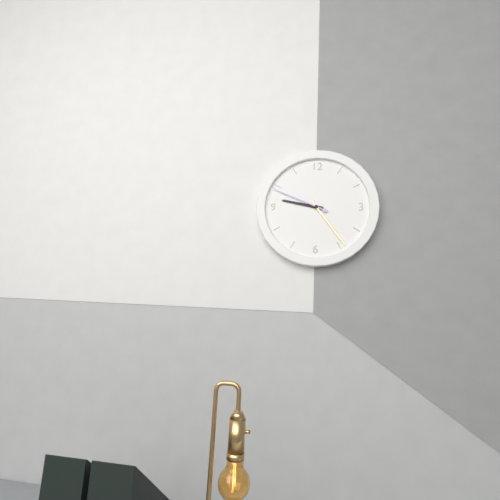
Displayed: **9:24:49**
